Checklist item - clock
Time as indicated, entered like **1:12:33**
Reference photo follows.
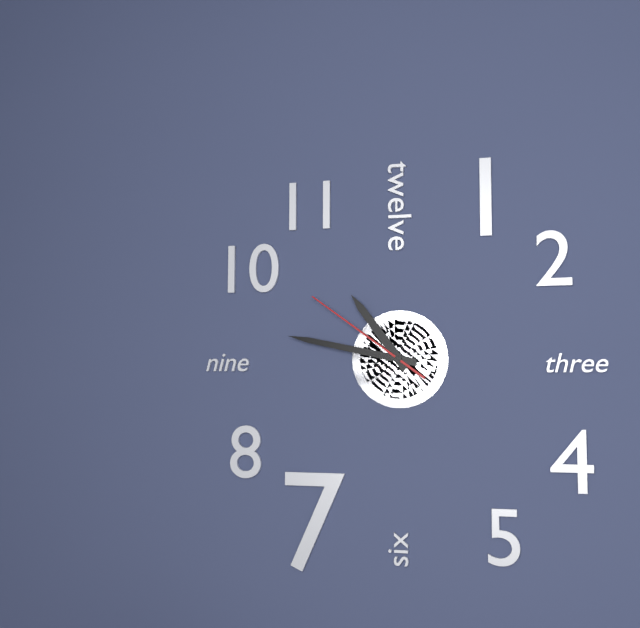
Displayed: **10:47:51**
